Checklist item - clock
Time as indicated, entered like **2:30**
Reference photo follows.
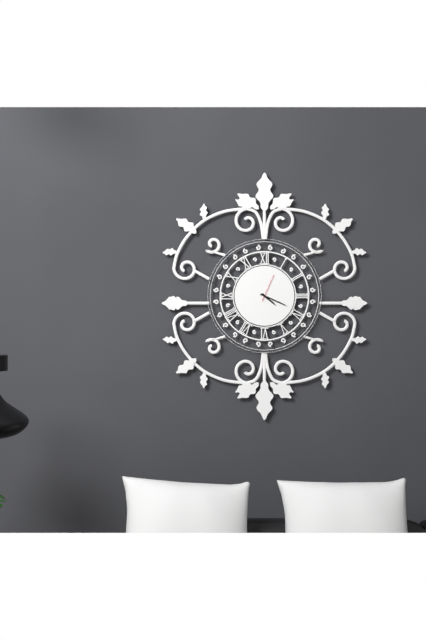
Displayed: **4:19**
